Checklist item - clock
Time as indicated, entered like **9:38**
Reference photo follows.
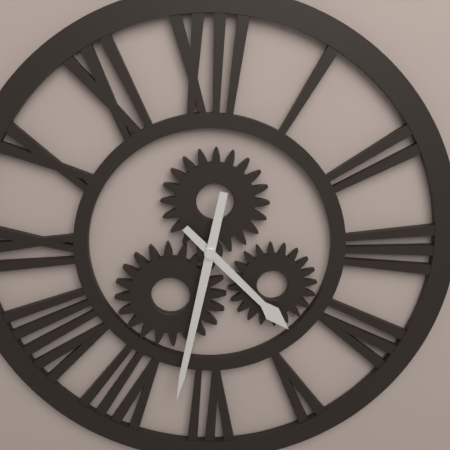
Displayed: **4:32**
